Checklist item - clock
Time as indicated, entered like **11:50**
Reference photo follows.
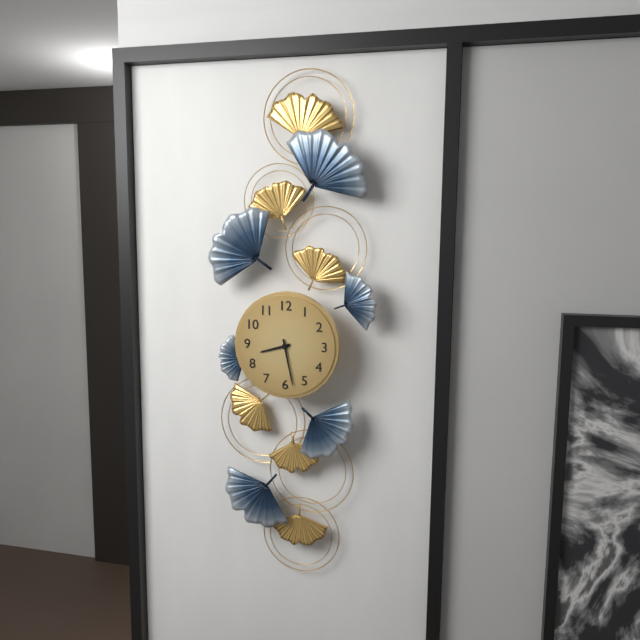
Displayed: **8:28**
